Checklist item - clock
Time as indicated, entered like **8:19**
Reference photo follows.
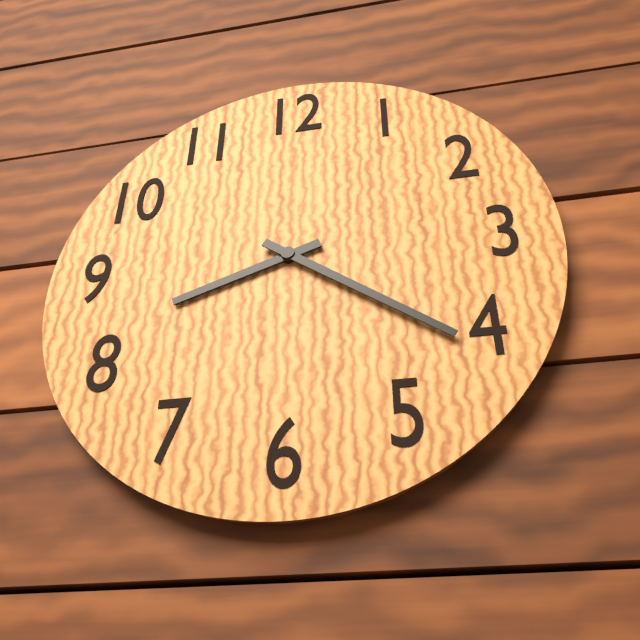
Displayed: **8:21**
